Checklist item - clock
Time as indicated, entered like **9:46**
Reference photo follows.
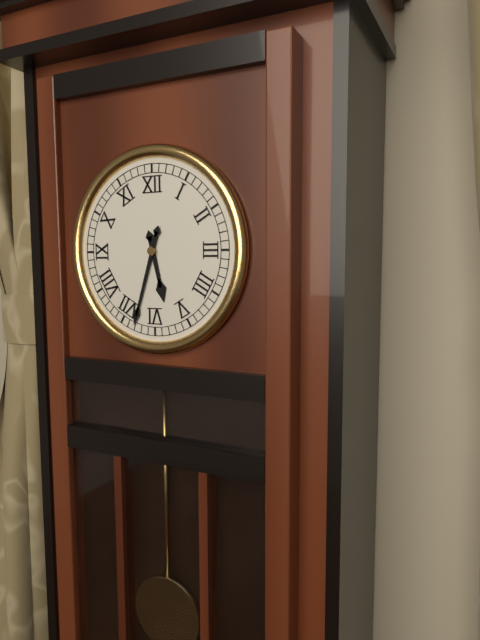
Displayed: **5:33**
